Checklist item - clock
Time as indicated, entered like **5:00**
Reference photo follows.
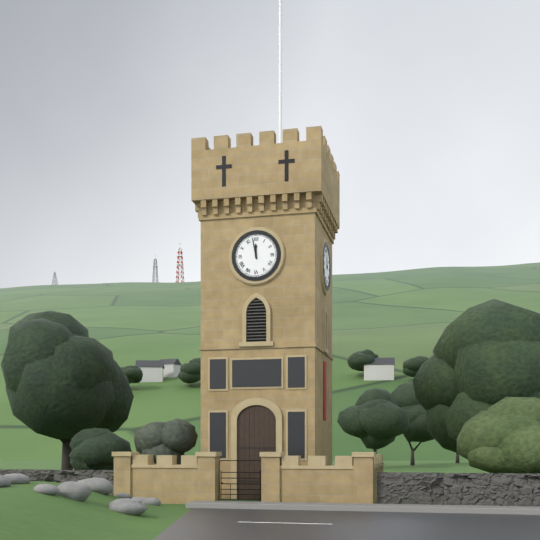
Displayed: **11:58**
